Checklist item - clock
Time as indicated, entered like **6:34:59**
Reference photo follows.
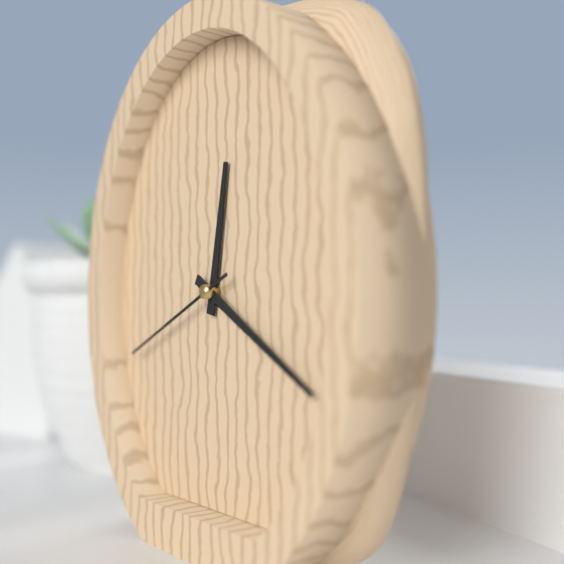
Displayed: **12:20:41**
